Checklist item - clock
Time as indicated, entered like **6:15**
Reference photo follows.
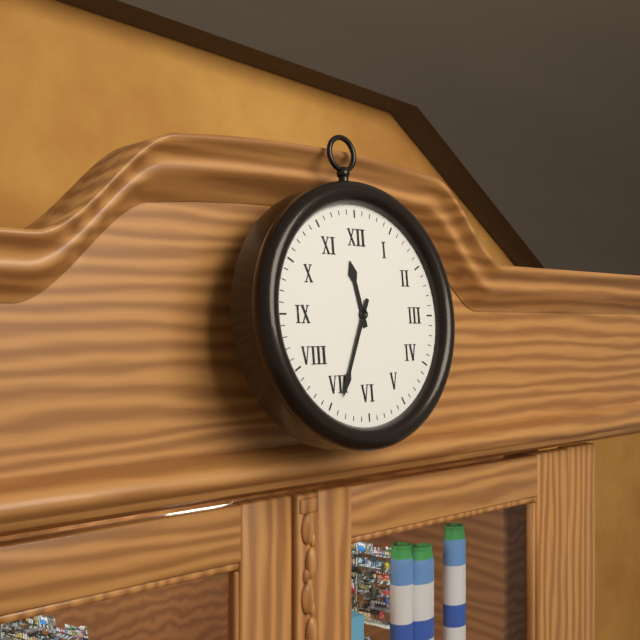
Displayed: **11:34**
